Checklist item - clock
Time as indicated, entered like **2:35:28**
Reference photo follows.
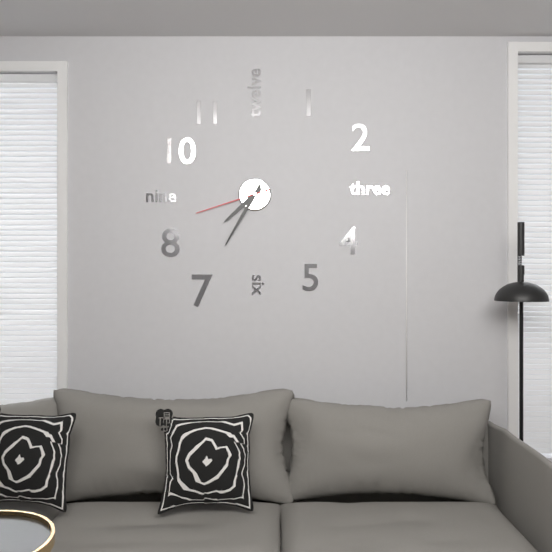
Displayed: **7:35:42**
